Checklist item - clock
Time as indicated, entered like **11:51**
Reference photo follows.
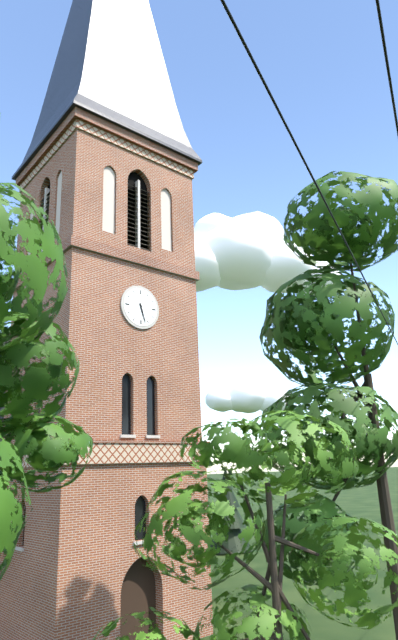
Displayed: **5:27**
